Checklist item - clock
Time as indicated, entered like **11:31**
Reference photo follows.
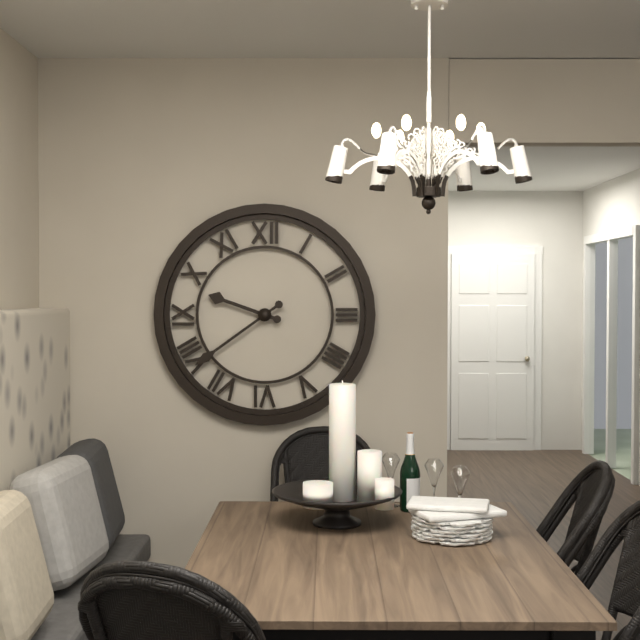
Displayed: **9:39**
